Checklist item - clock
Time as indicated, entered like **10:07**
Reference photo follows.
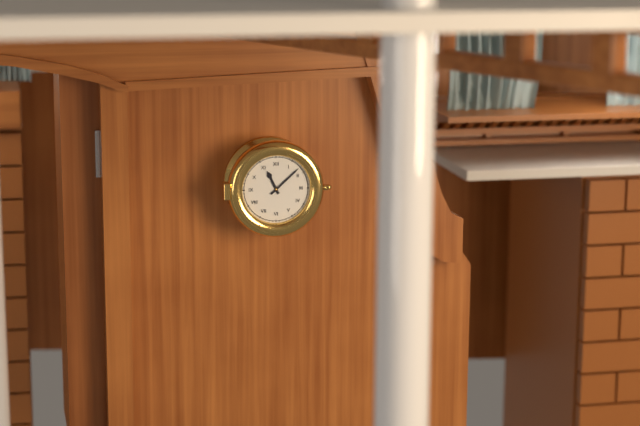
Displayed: **11:08**
